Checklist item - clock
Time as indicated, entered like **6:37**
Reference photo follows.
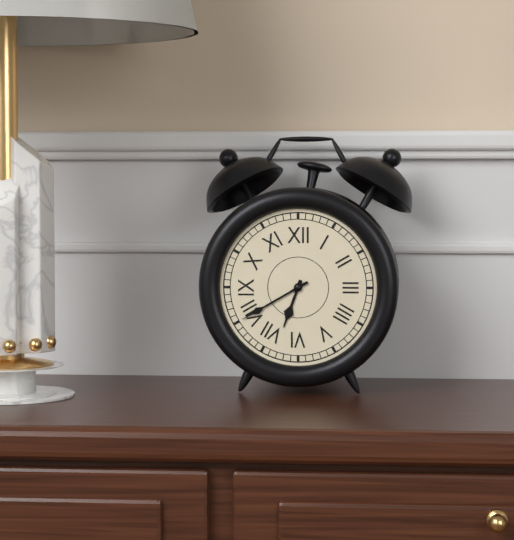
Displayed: **6:40**
